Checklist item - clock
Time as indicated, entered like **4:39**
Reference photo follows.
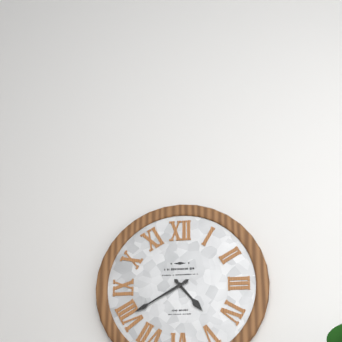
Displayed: **4:40**
